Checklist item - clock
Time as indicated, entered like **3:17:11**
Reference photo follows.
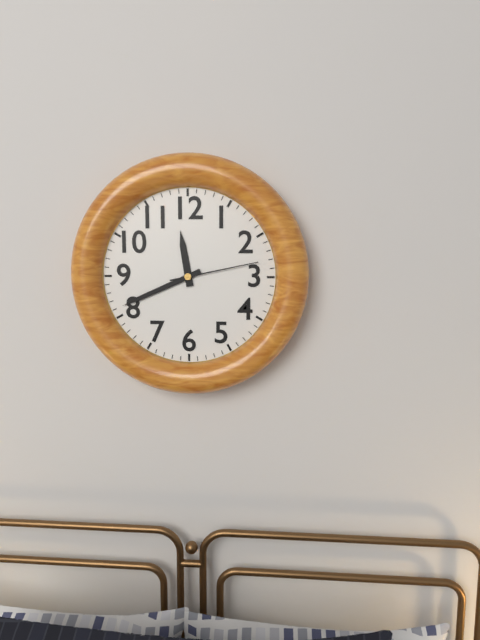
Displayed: **11:41:13**
